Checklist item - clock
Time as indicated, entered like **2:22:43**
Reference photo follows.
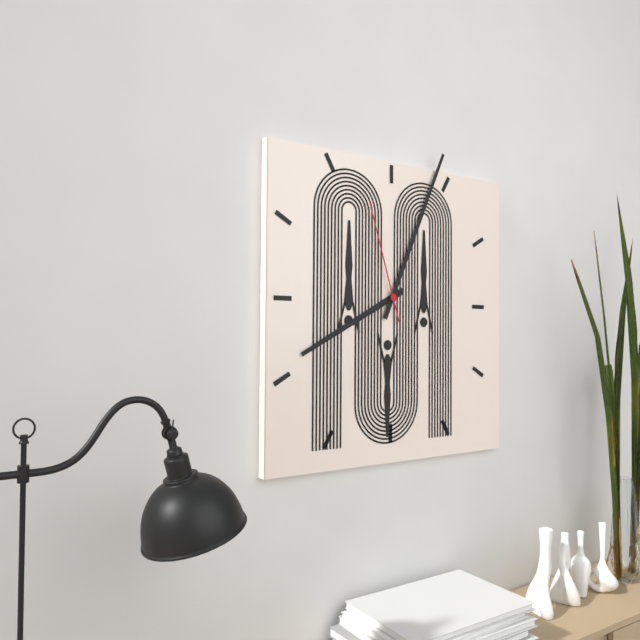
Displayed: **8:04:57**
